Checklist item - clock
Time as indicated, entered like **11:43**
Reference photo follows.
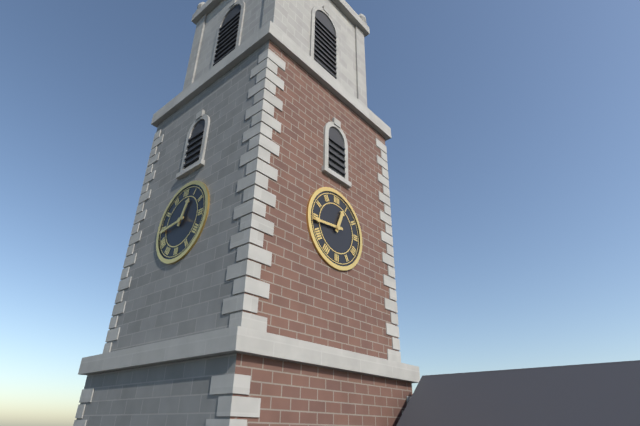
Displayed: **12:44**
